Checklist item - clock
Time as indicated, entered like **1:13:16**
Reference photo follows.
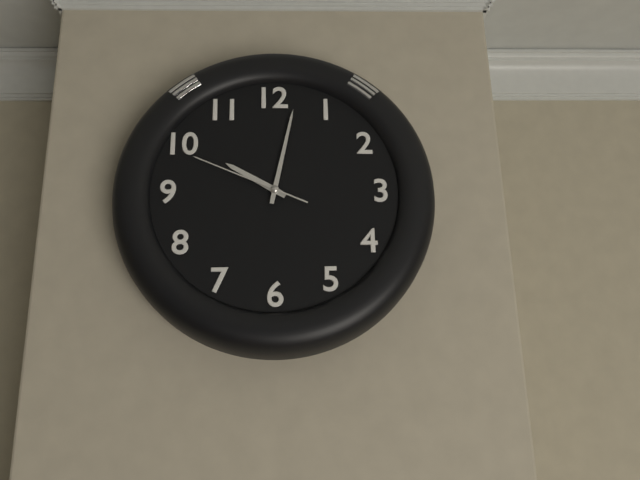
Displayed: **10:02:49**
